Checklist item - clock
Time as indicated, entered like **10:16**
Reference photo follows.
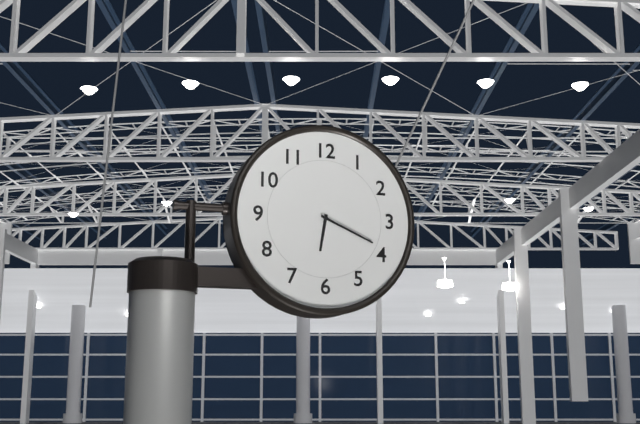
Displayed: **6:19**
